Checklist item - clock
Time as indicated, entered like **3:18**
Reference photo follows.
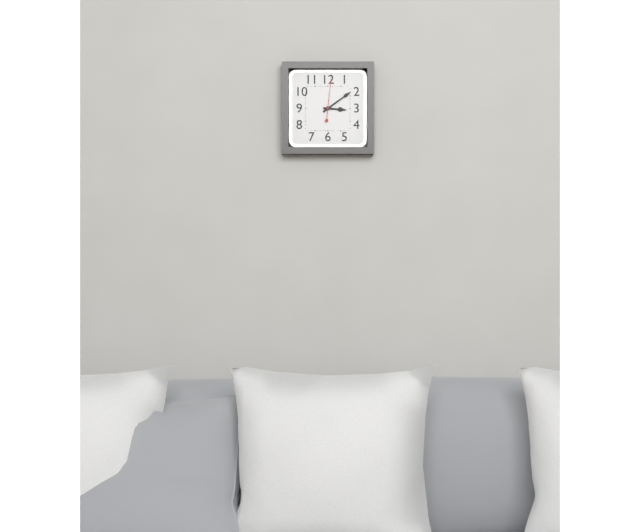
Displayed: **3:09**
